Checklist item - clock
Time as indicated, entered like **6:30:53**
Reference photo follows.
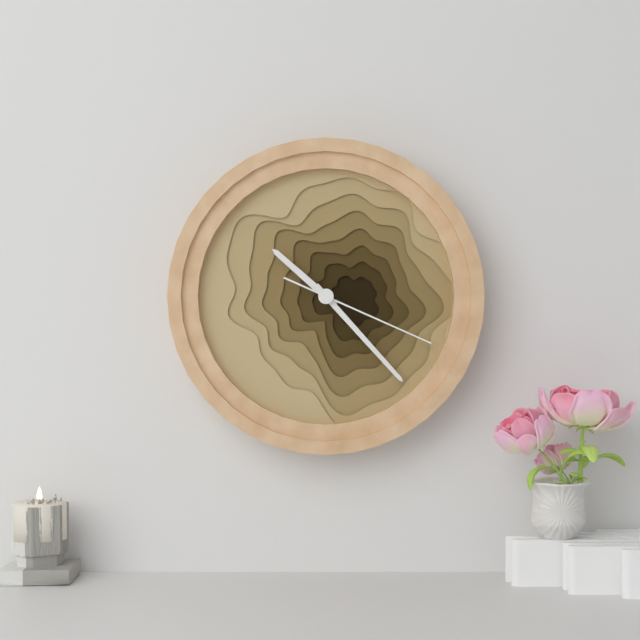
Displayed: **10:23:19**
